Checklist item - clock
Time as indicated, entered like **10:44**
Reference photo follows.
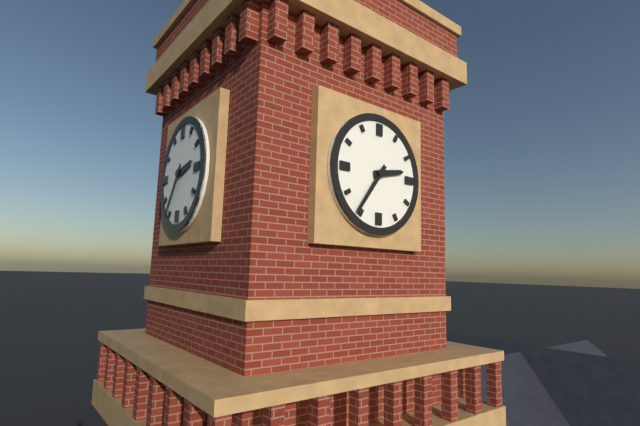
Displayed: **2:36**
